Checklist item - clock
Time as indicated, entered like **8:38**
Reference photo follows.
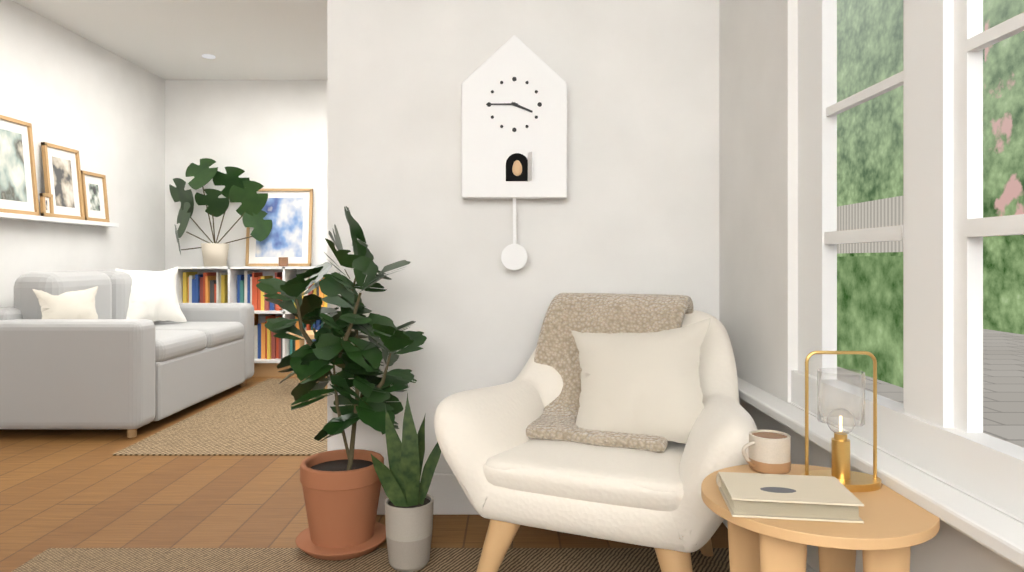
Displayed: **3:45**
